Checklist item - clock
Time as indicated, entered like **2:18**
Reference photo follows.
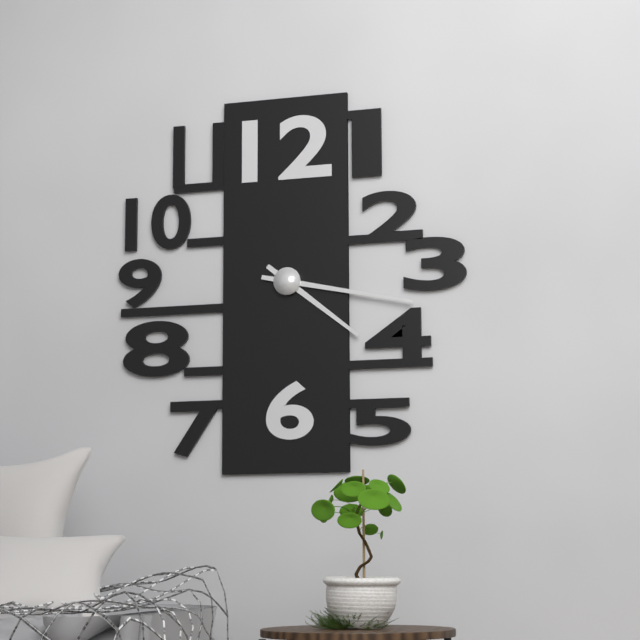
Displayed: **4:17**
